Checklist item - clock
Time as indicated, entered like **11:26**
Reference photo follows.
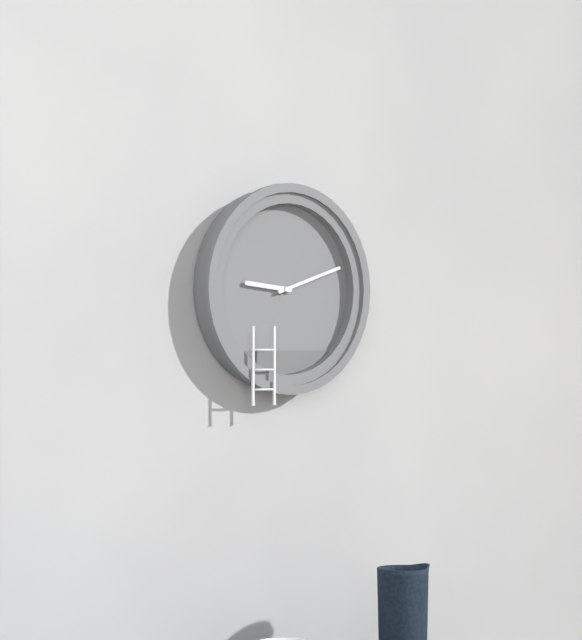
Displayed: **9:12**
